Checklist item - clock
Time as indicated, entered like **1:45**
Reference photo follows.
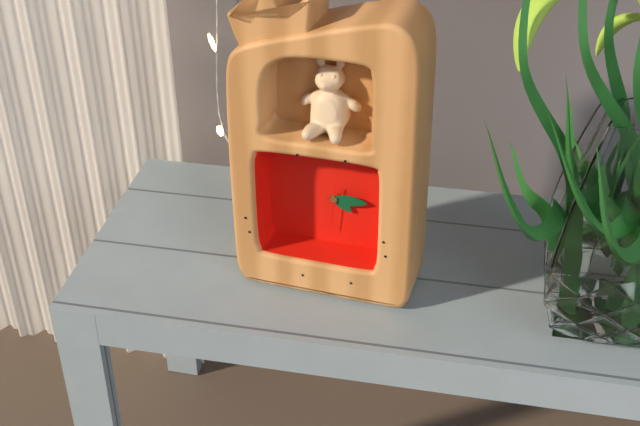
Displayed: **4:15**
